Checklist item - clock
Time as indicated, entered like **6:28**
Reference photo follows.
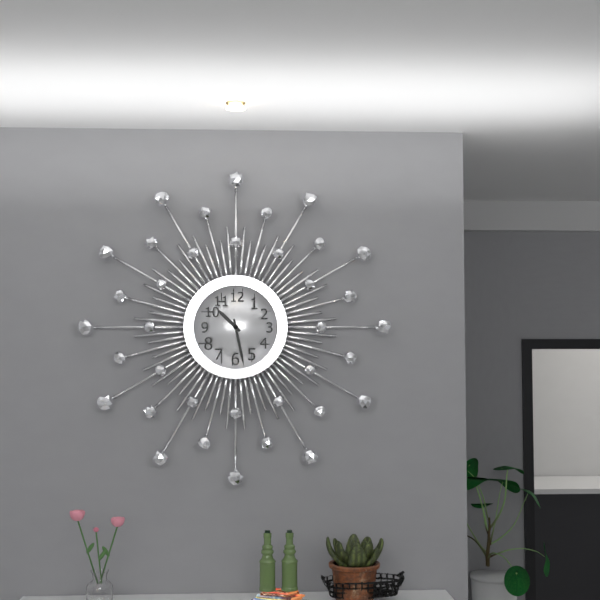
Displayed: **10:28**
